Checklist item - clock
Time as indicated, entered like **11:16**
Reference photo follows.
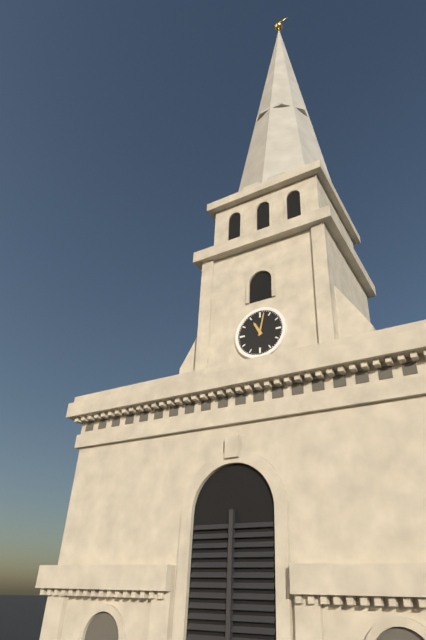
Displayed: **11:02**
